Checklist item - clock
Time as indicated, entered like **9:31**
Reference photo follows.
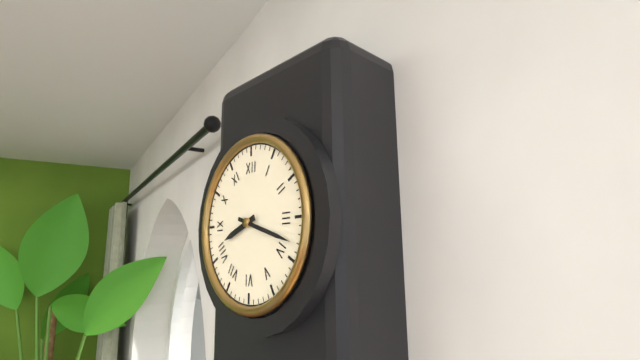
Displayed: **8:18**
